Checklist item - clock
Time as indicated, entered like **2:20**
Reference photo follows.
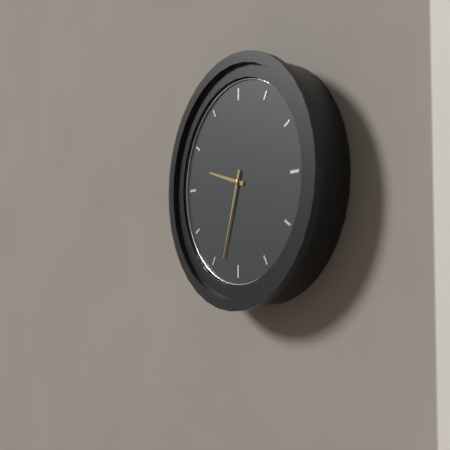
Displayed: **9:33**
